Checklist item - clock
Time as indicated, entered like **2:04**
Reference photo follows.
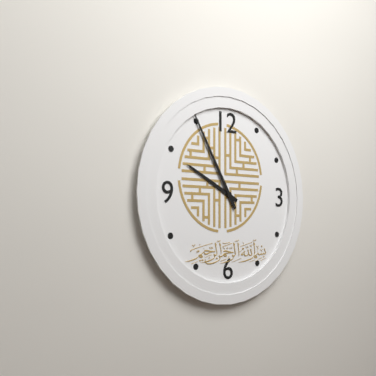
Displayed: **9:55**
